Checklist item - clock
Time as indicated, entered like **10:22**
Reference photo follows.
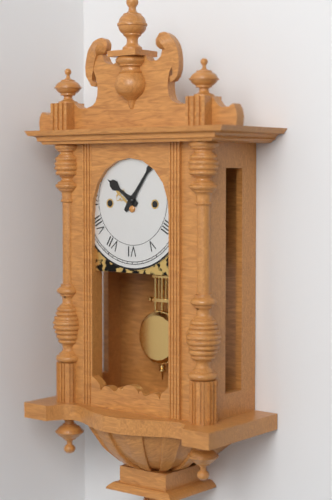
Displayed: **10:06**
